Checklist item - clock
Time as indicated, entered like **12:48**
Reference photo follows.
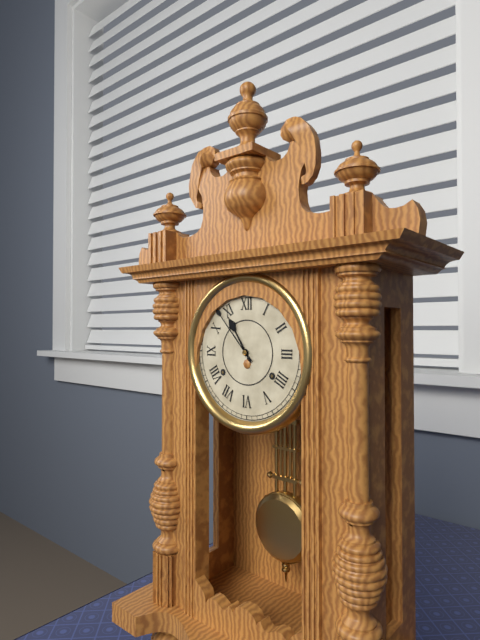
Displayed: **10:53**
